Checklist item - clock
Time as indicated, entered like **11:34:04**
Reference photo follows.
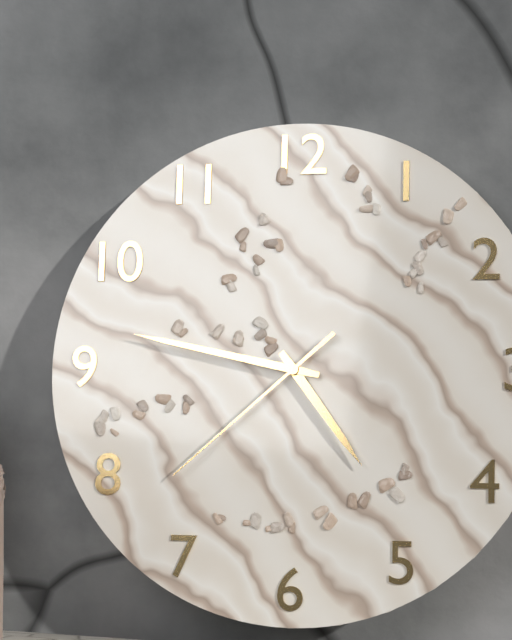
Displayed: **4:47:38**
